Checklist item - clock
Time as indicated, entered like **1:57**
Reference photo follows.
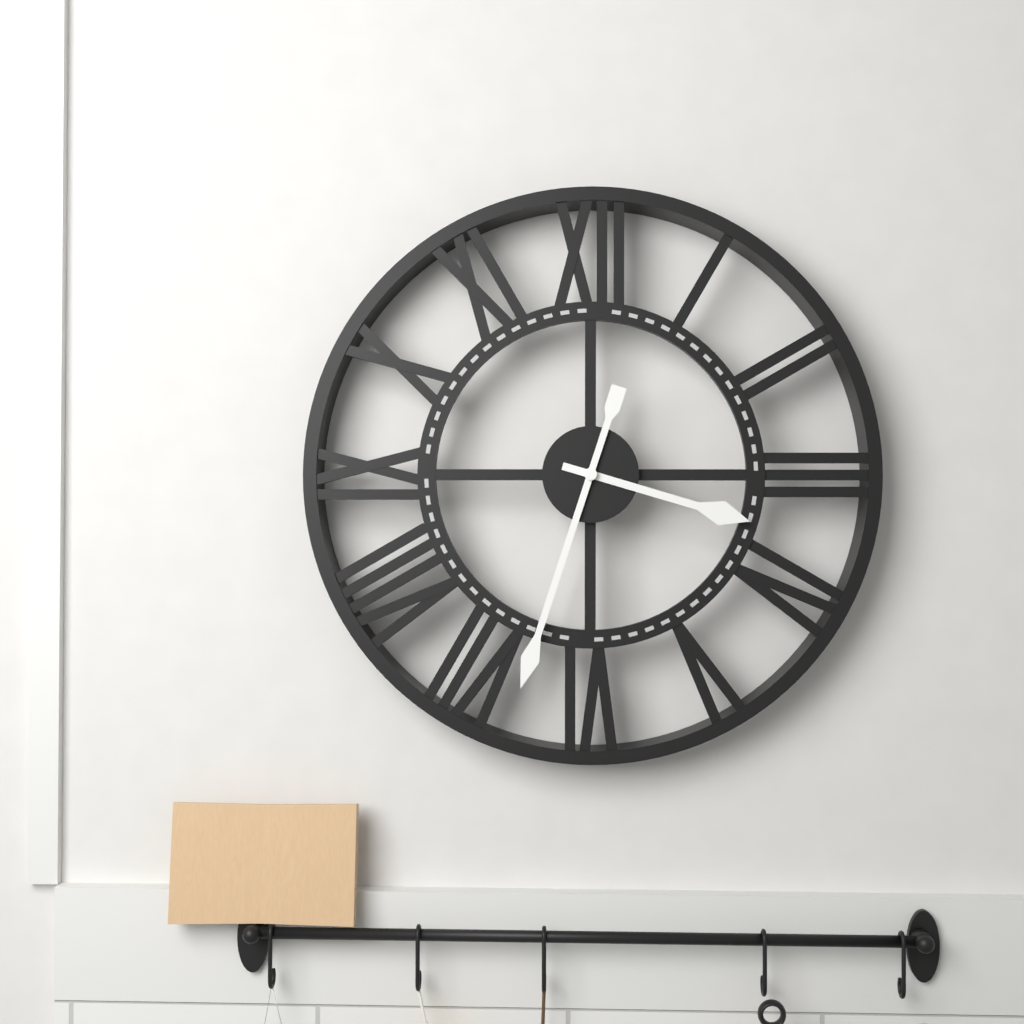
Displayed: **3:33**
